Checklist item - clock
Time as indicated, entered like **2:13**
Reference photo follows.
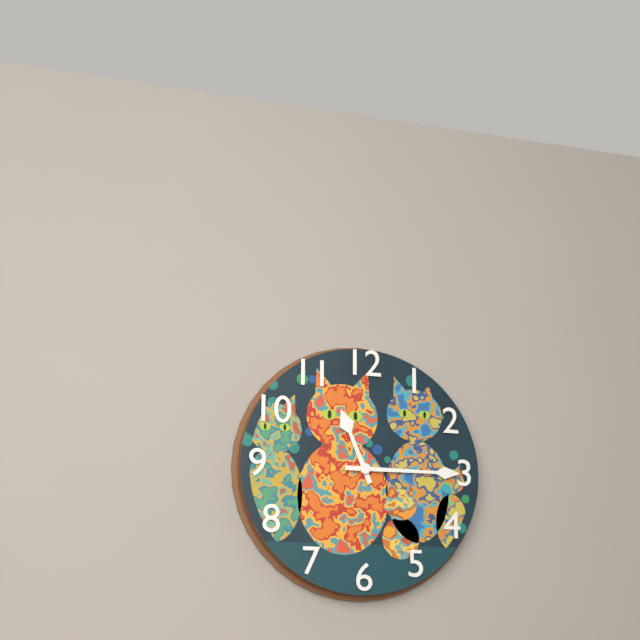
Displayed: **11:15**
